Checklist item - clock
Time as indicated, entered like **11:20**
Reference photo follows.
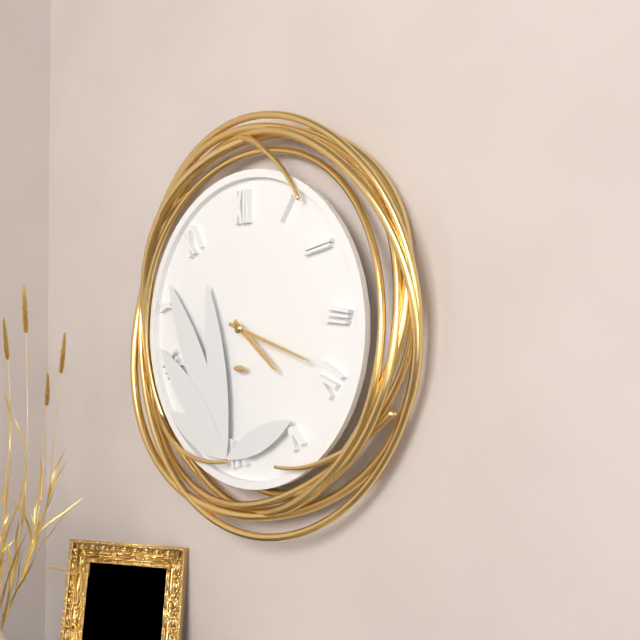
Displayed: **4:18**
